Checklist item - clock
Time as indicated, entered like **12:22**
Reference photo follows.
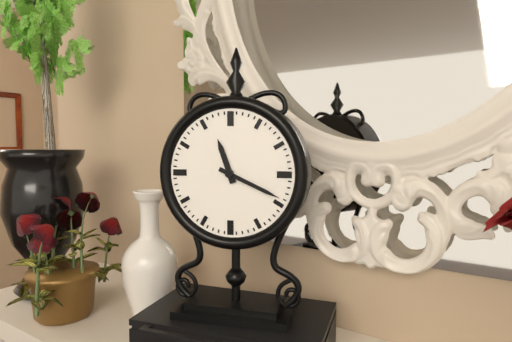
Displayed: **11:19**
